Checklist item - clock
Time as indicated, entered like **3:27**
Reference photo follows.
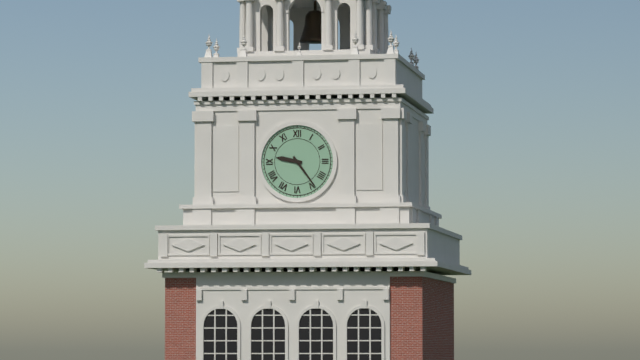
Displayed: **9:24**
